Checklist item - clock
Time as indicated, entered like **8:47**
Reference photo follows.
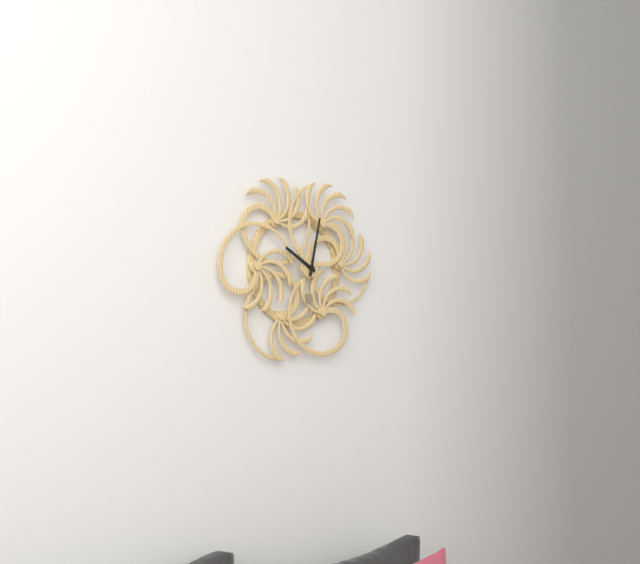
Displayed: **10:02**
